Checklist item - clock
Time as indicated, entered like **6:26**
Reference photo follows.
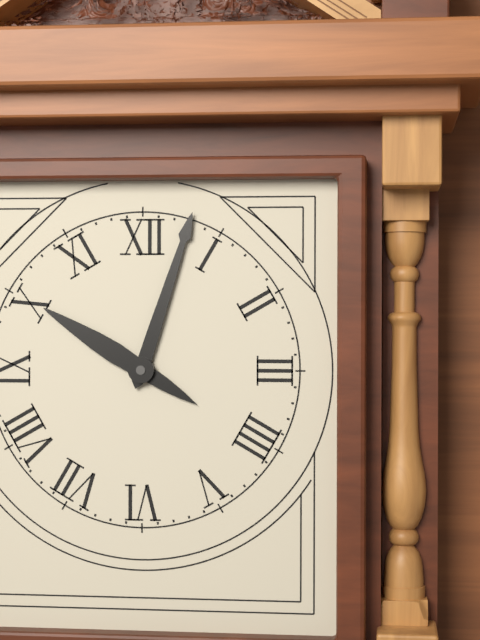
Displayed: **10:03**
